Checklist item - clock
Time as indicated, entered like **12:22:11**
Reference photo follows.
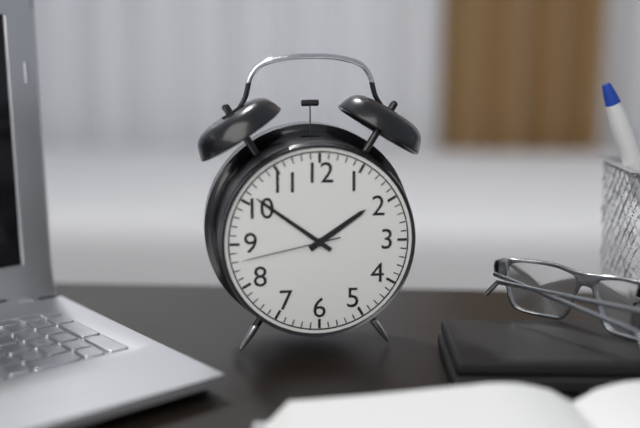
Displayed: **1:51:43**
